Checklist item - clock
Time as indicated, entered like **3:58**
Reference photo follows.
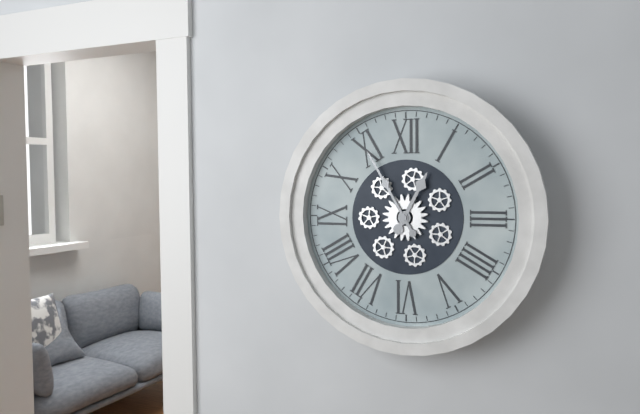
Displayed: **12:55**
